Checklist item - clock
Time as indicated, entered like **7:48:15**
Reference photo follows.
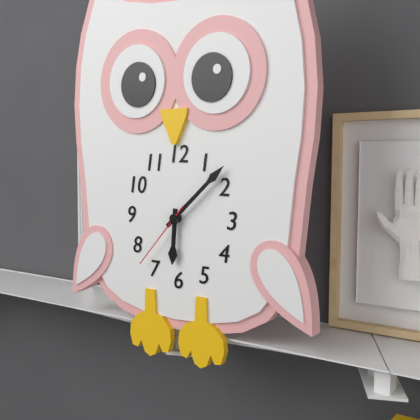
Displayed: **6:08:37**
